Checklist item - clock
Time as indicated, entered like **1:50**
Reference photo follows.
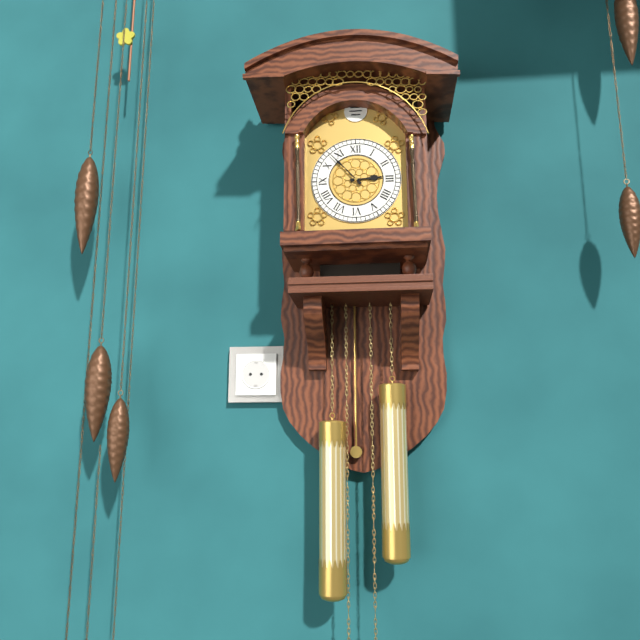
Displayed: **2:53**
